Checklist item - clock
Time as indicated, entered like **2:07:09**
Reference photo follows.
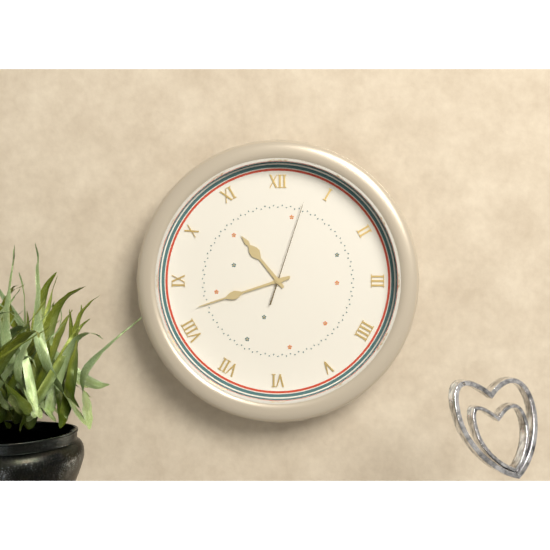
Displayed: **10:42:03**
